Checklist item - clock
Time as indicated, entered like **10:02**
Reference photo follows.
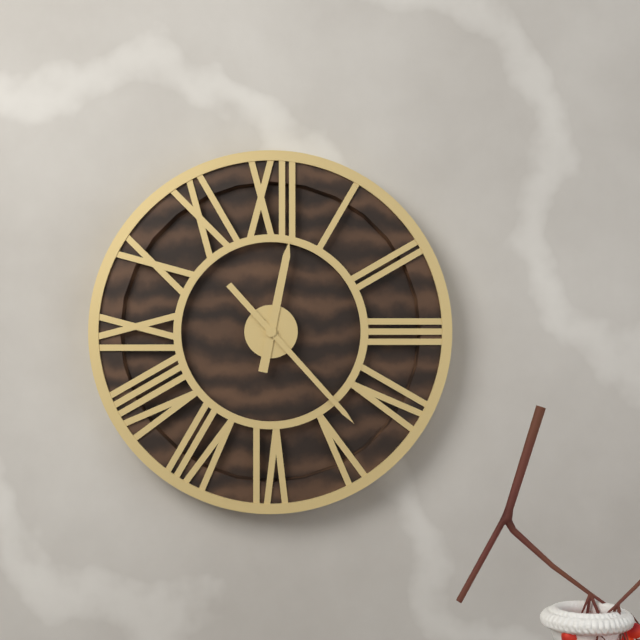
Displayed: **12:23**
